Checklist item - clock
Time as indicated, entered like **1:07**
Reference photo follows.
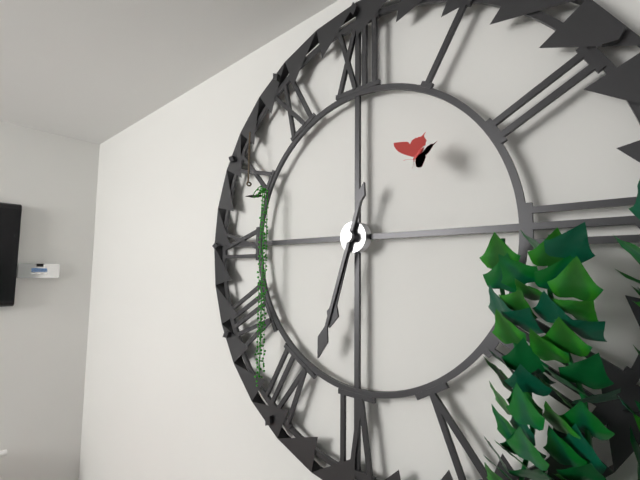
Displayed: **6:33**
